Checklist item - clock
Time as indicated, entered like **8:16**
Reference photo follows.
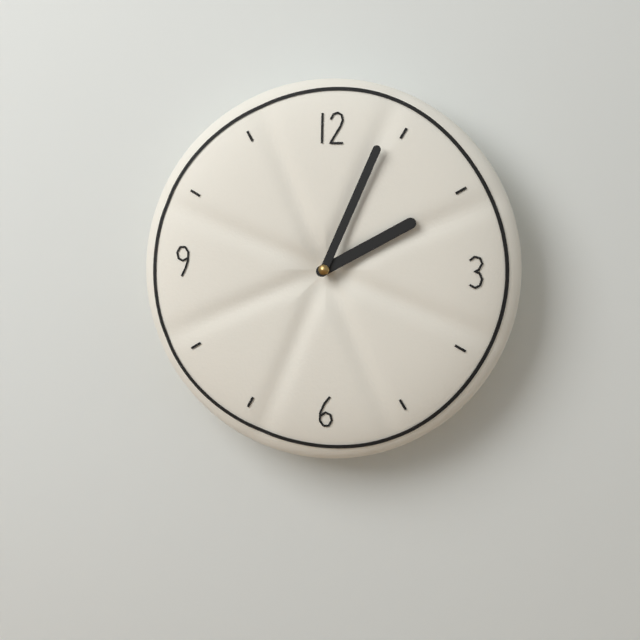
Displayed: **2:04**
